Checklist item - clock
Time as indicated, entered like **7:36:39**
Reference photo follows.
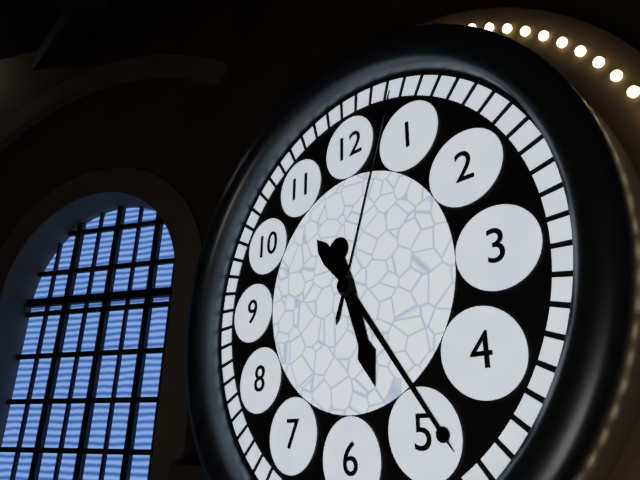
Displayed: **5:24:03**
